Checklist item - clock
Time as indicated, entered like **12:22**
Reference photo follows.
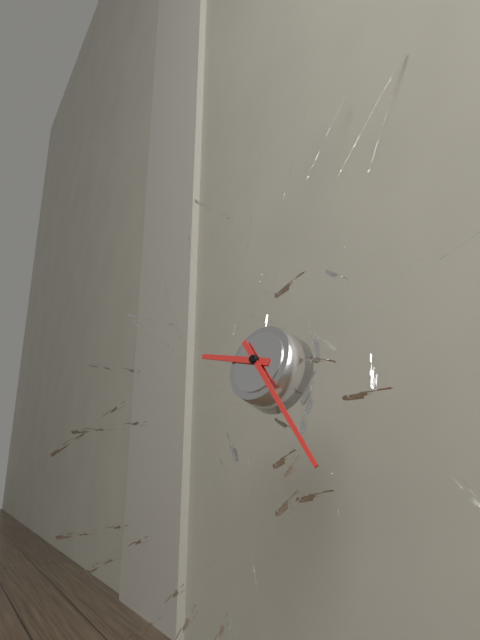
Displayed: **9:23**
